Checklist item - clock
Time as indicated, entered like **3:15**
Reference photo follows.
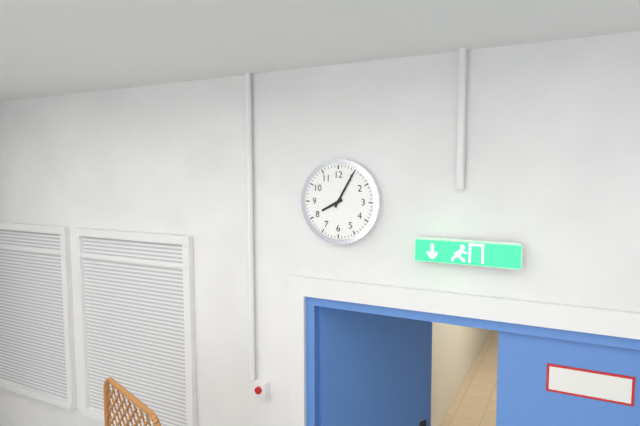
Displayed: **8:05**
